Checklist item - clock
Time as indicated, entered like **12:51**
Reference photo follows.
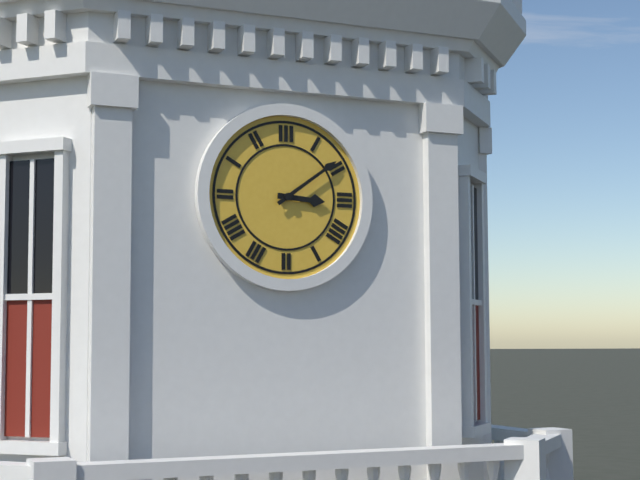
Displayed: **3:09**
